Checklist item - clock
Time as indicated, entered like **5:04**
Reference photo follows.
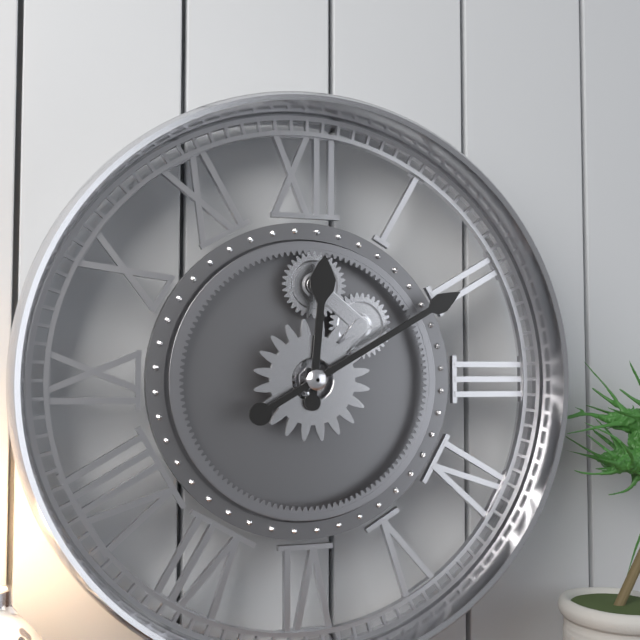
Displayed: **12:10**
